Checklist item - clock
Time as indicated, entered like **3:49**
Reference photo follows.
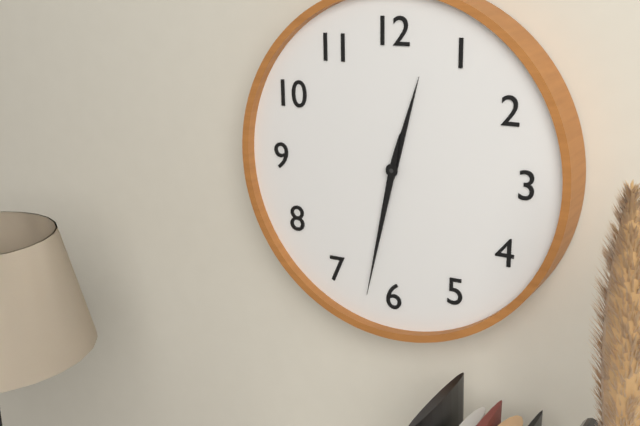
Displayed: **12:32**
